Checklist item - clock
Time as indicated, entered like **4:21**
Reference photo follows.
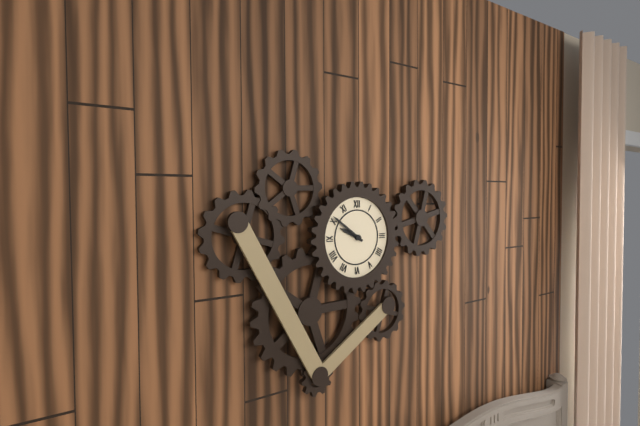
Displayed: **9:51**
